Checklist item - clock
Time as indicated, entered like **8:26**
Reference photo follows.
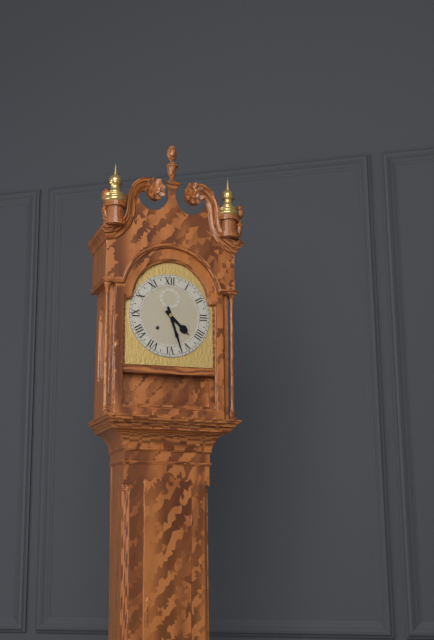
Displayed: **4:27**
